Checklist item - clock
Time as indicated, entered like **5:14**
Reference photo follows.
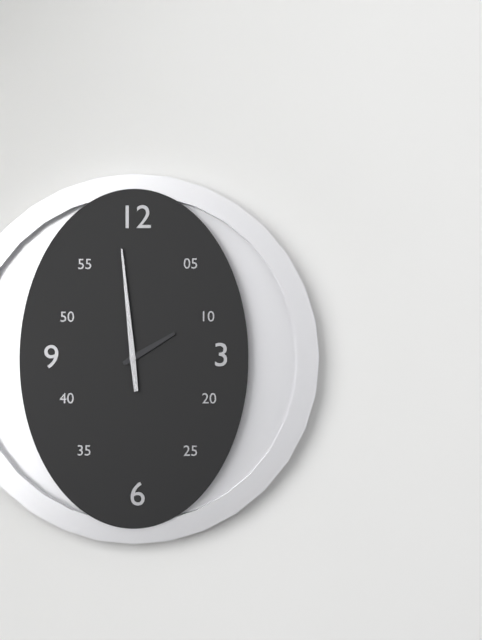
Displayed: **1:59**
